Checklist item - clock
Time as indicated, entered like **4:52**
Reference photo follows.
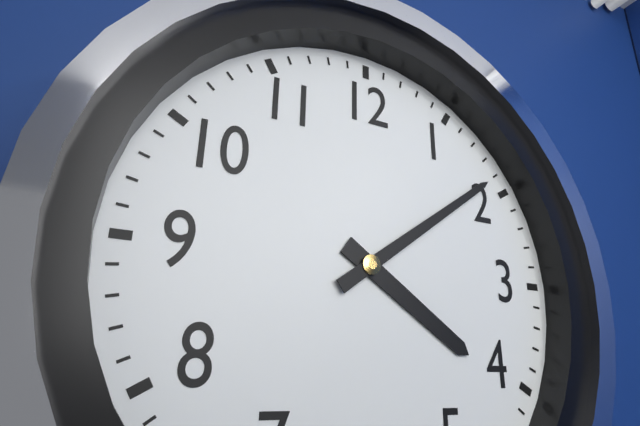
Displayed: **4:09**
